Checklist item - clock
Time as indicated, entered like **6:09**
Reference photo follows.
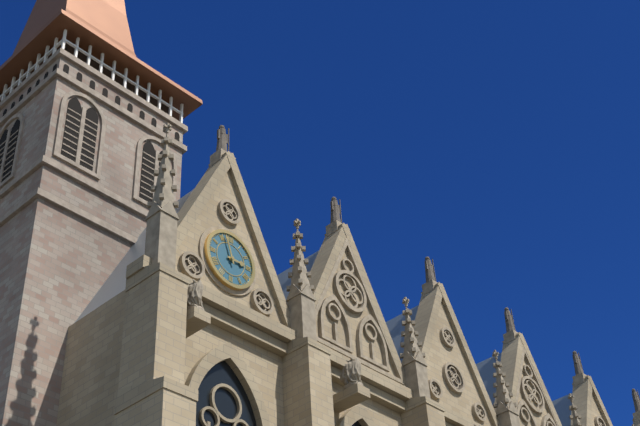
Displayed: **2:57**
